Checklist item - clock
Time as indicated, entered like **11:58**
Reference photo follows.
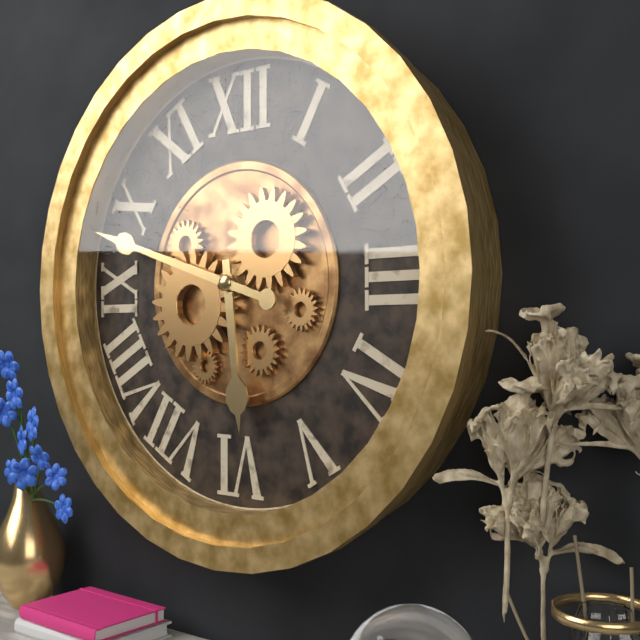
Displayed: **5:48**
